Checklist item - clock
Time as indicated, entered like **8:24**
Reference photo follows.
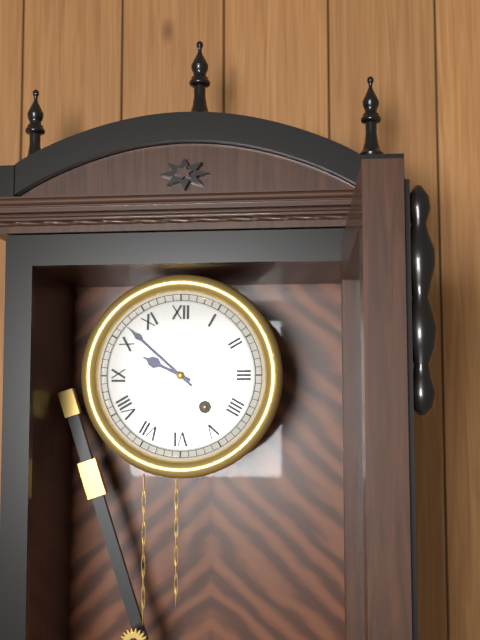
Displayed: **9:52**
